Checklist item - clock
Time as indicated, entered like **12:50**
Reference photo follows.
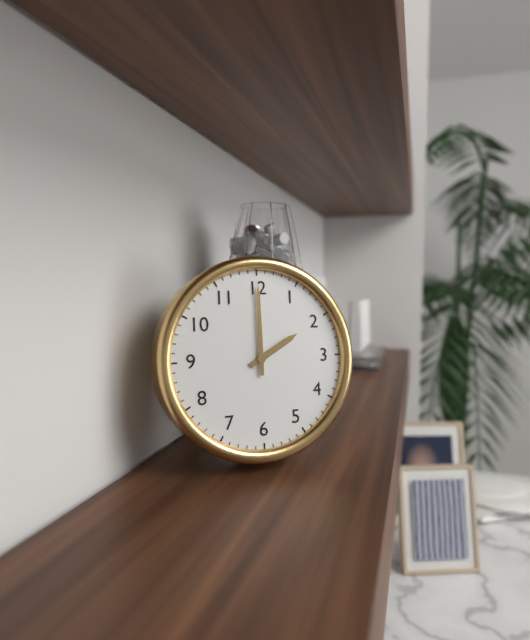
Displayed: **2:00**
